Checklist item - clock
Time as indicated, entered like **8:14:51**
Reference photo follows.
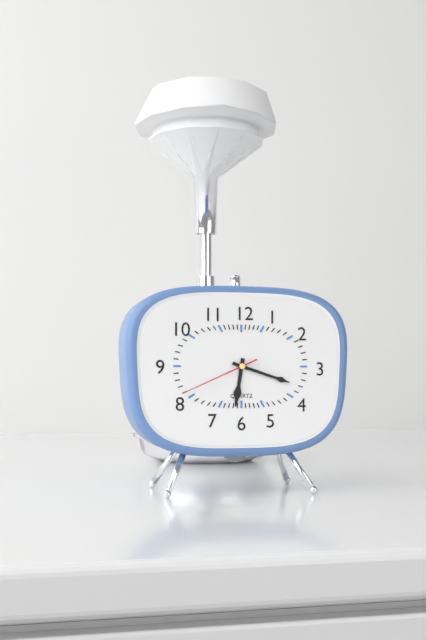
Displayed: **6:18:41**
